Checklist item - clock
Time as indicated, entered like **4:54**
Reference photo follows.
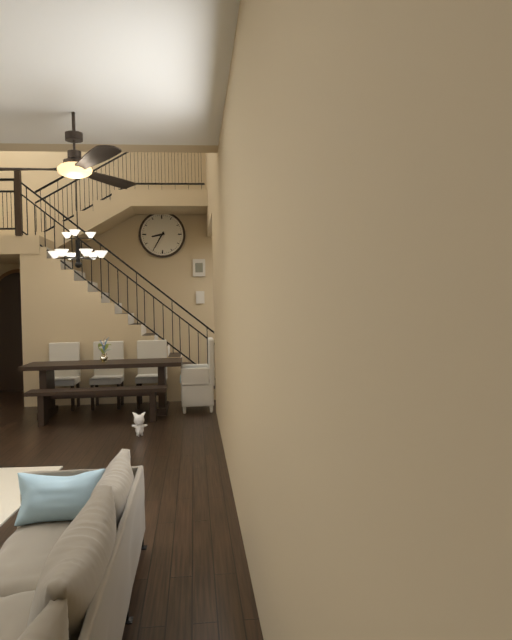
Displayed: **8:35**
